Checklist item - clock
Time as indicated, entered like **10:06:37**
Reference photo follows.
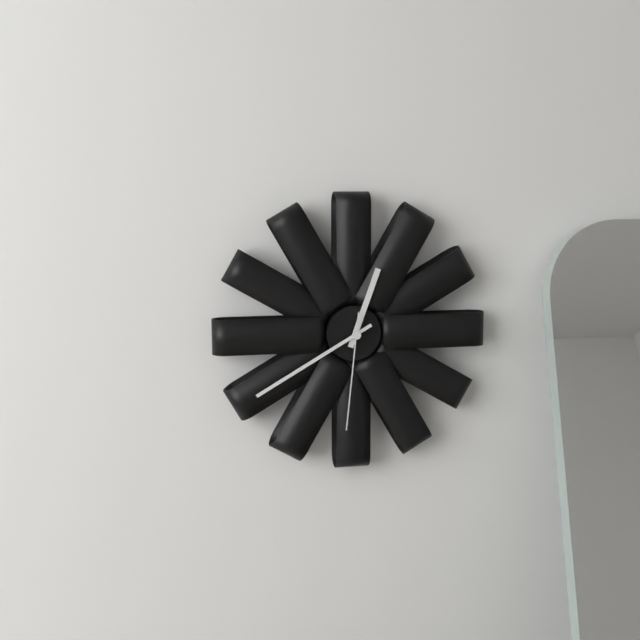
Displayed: **12:40:31**
